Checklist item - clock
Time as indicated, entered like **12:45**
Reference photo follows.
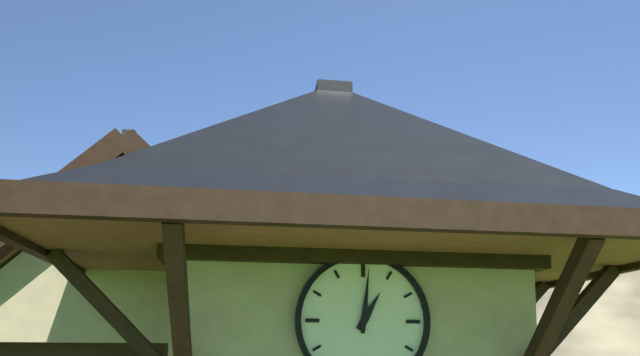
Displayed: **1:01**
